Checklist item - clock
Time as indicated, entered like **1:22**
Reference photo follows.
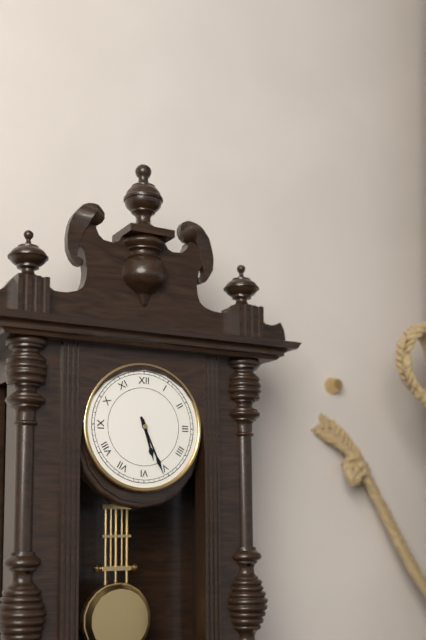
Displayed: **5:26**
